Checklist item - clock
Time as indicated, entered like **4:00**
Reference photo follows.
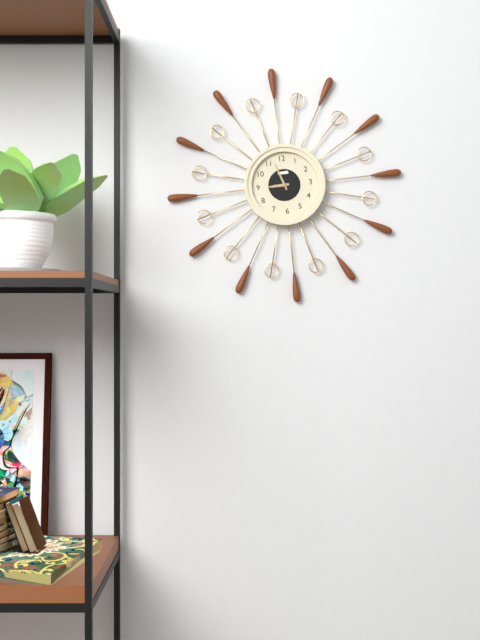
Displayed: **8:57**
